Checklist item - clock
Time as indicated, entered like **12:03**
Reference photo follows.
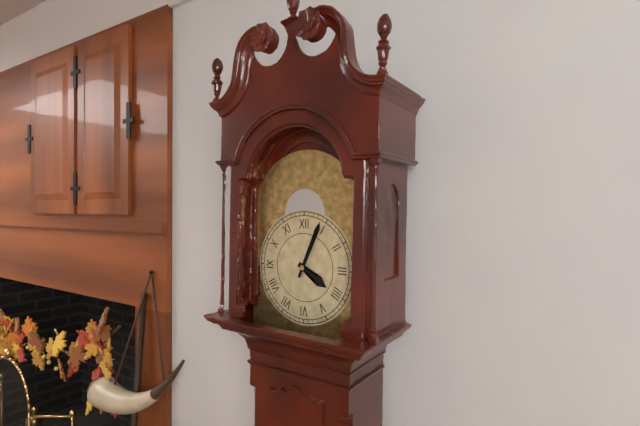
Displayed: **4:04**
